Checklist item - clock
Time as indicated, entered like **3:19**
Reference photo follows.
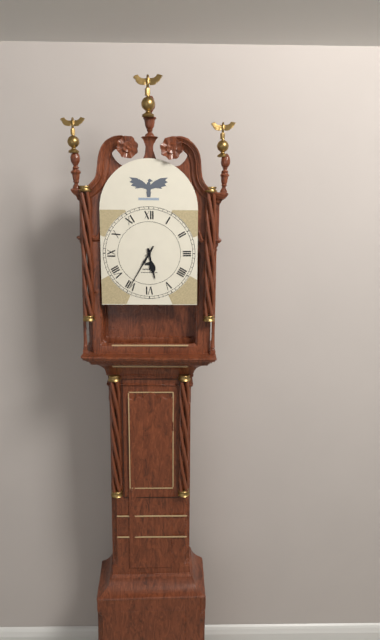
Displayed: **5:35**
